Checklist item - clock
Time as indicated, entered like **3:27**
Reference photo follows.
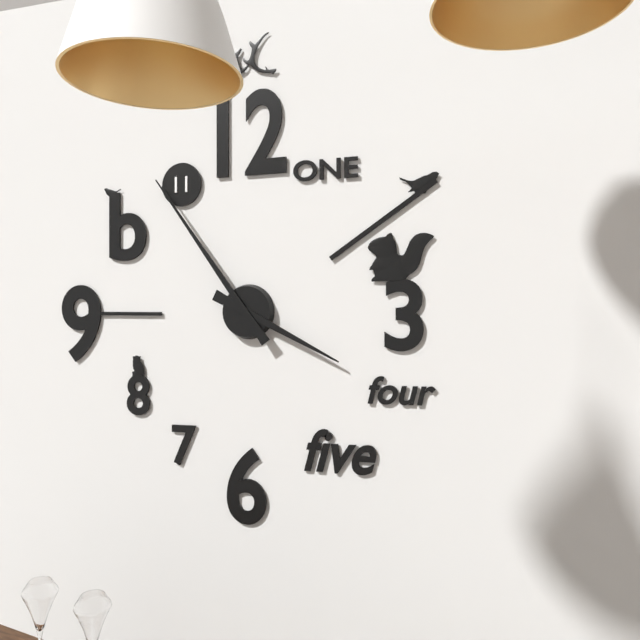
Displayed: **3:54**
